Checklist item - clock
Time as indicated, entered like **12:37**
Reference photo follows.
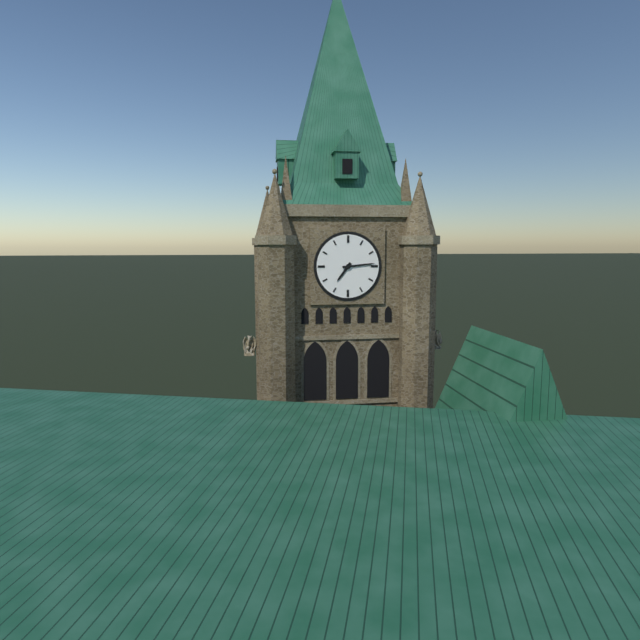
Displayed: **7:14**
